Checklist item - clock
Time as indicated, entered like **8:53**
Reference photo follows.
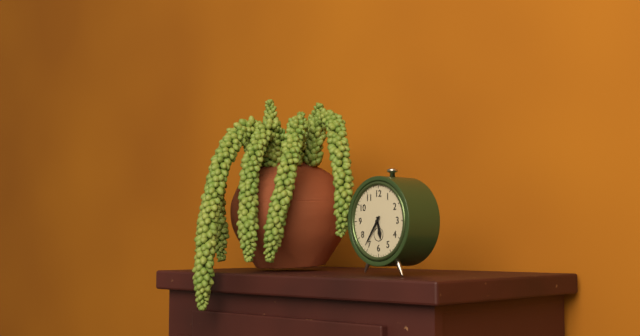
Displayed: **5:36**
